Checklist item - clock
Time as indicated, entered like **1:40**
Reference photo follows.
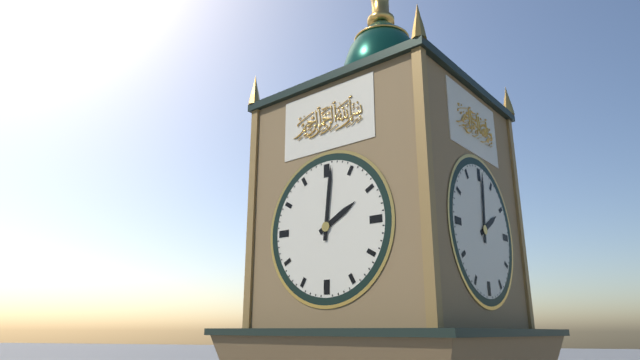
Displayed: **2:01**
